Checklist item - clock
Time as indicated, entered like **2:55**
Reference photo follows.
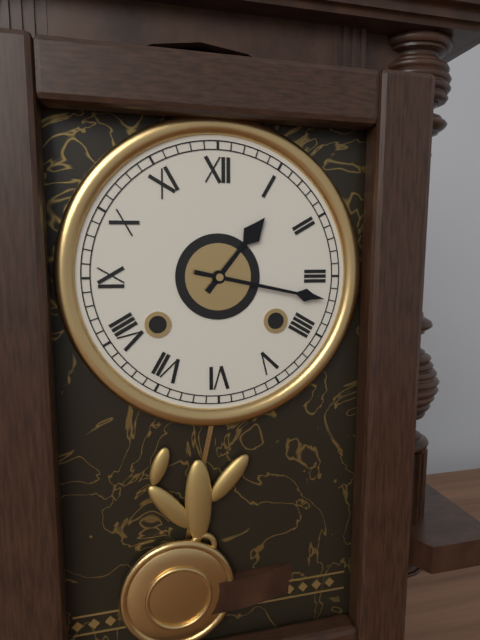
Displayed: **1:17**
